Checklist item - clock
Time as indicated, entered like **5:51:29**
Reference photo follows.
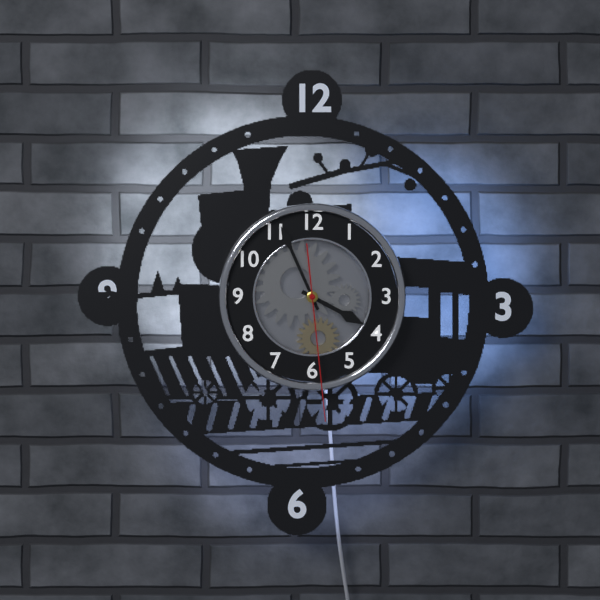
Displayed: **3:56:29**
